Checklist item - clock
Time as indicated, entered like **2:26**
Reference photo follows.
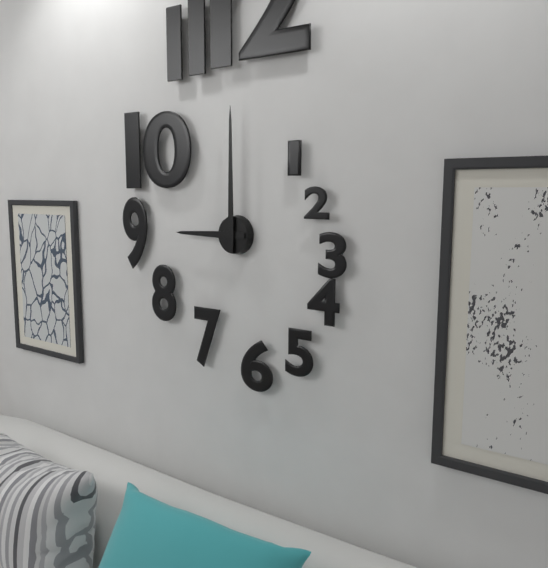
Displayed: **9:00**
